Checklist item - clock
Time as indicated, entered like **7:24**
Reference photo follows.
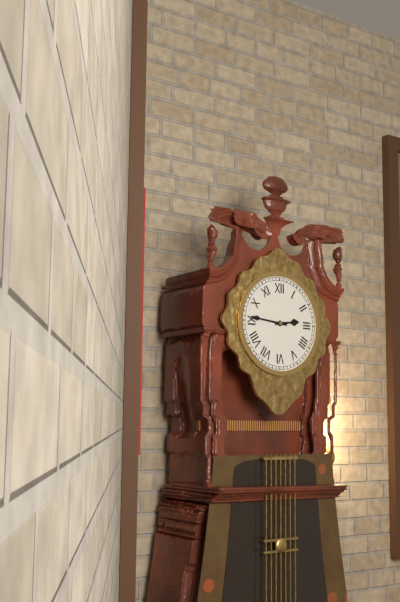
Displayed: **2:46**
